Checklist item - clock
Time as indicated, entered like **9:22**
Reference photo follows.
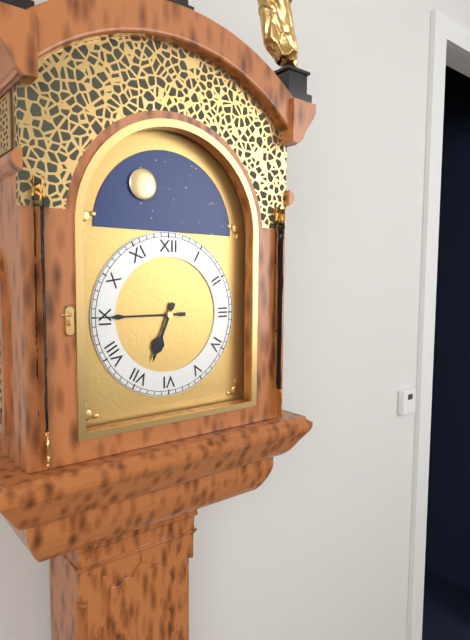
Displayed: **6:45**
